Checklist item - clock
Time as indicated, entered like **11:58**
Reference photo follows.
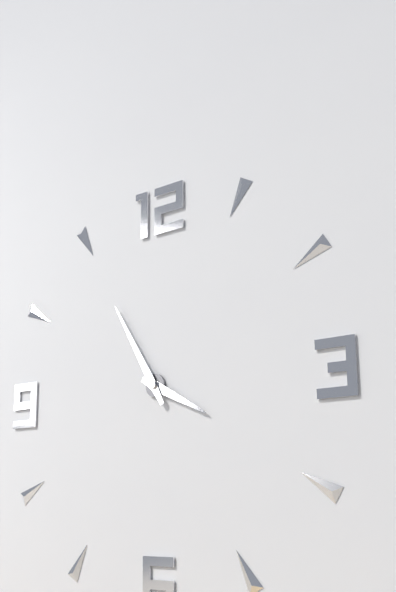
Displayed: **3:55**
